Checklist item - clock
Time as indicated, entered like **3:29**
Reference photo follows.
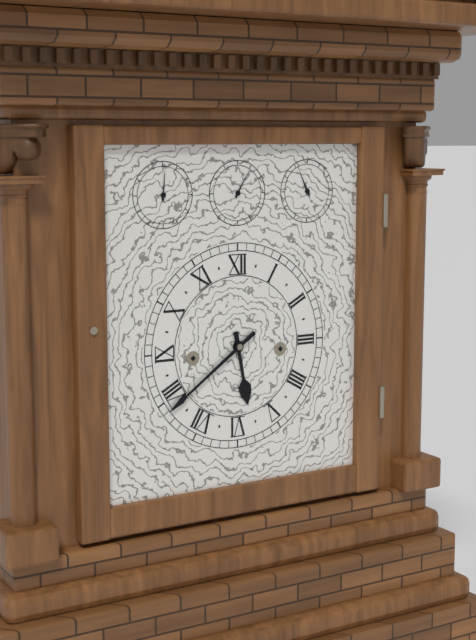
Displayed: **5:39**
